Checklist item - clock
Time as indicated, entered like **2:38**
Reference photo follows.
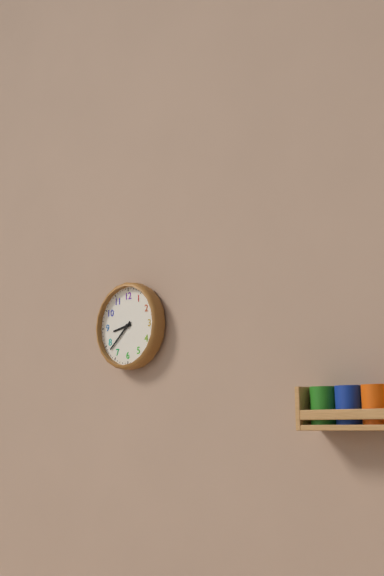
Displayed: **8:38**
